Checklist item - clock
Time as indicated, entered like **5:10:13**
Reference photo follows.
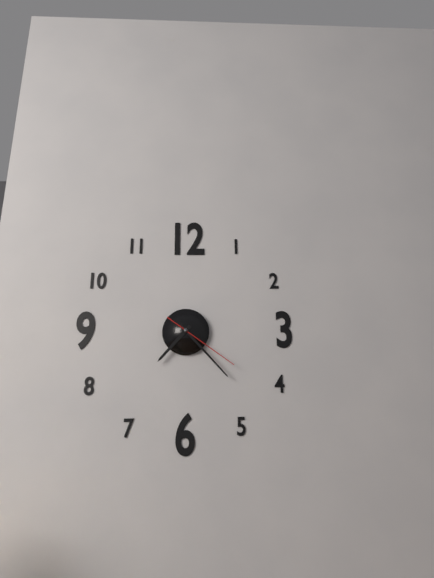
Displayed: **7:23:21**
